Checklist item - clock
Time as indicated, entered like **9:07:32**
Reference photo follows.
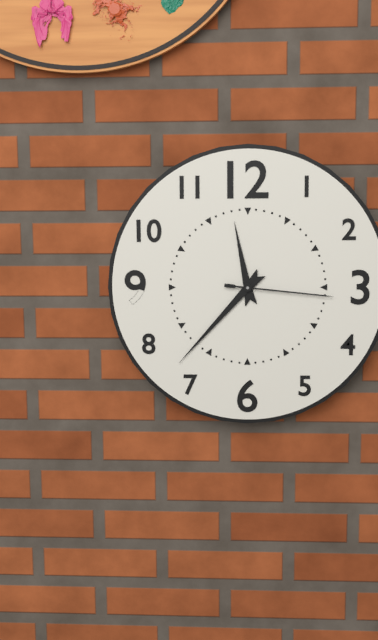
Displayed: **11:37:16**
